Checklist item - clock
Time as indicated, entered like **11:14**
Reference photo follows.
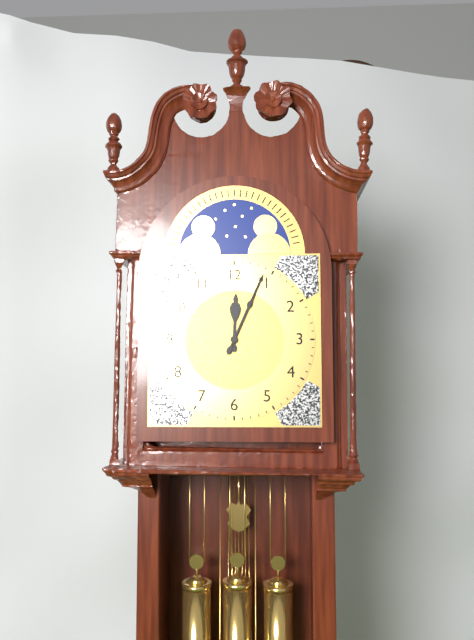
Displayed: **12:04**
